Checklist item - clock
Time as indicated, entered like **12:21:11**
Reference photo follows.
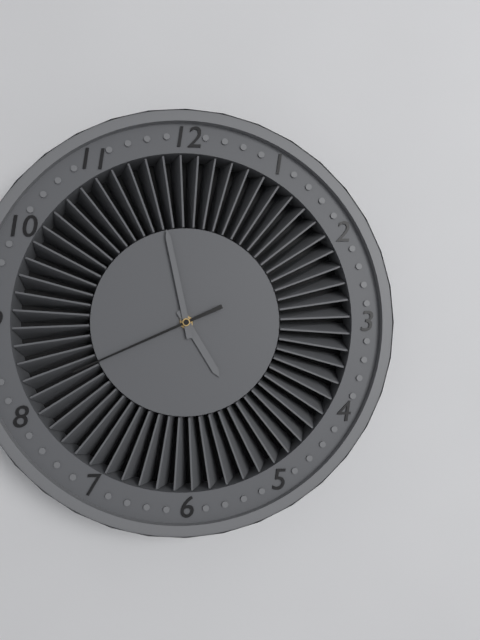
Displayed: **4:58:41**
